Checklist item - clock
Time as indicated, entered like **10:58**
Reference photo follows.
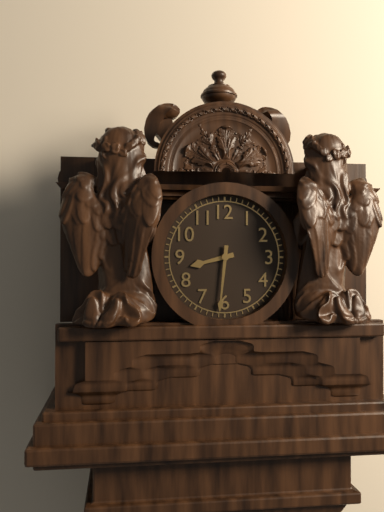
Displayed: **8:31**
